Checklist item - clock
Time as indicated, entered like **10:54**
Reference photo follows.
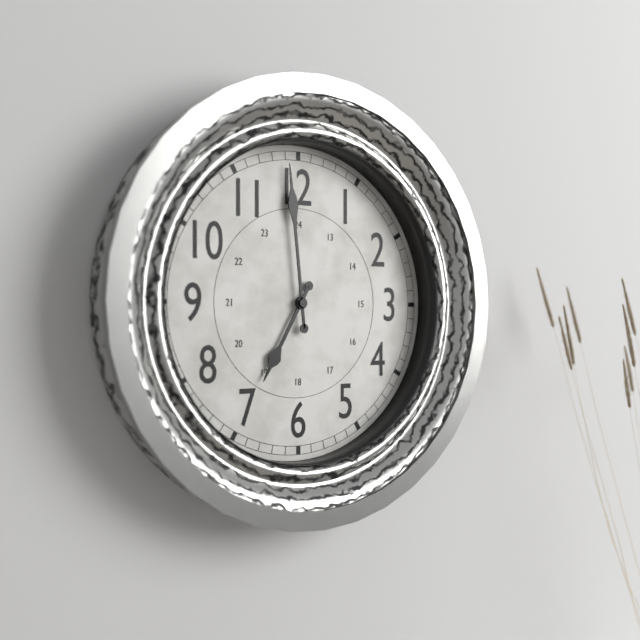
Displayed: **6:59**
